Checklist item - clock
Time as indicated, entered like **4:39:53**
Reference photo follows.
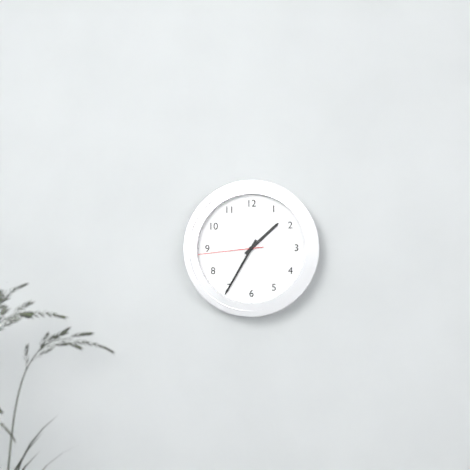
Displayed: **1:35:44**
